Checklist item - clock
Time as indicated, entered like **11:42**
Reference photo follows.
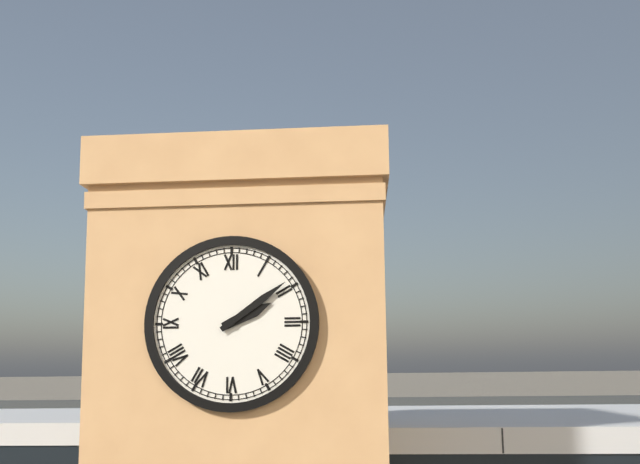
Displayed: **2:09**
